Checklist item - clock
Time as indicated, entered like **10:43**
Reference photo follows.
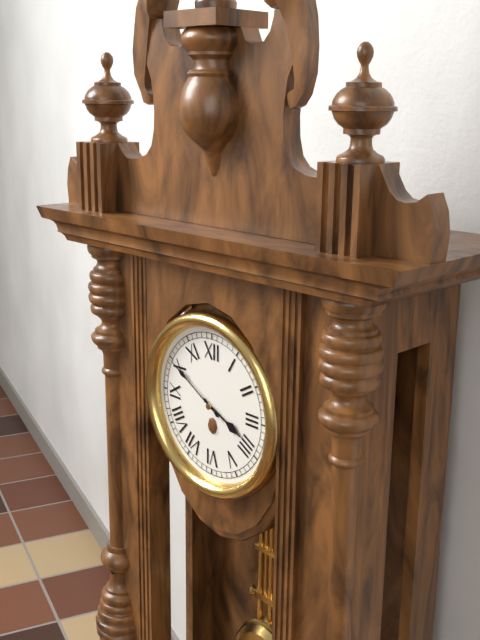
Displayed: **3:50**
